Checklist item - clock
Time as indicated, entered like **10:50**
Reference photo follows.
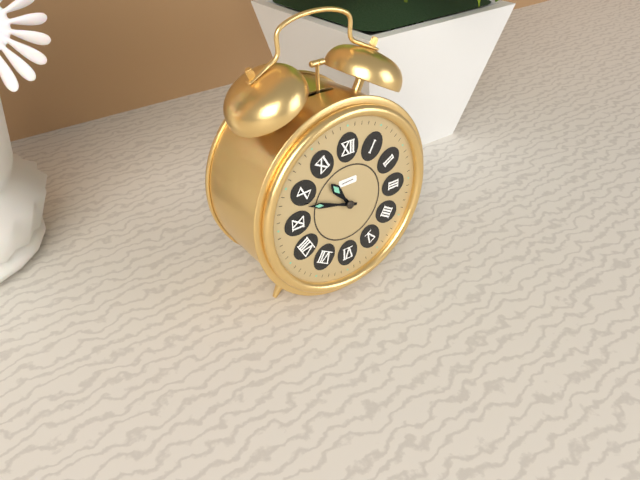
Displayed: **10:48**
